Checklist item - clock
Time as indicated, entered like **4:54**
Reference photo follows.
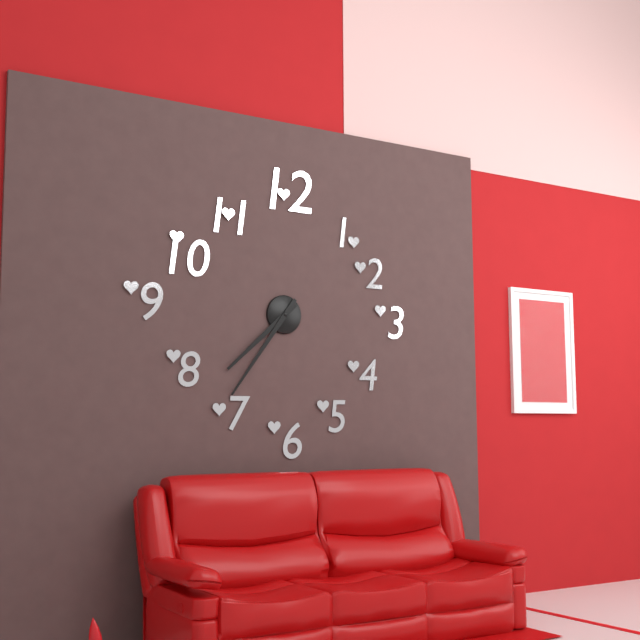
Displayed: **7:36**
